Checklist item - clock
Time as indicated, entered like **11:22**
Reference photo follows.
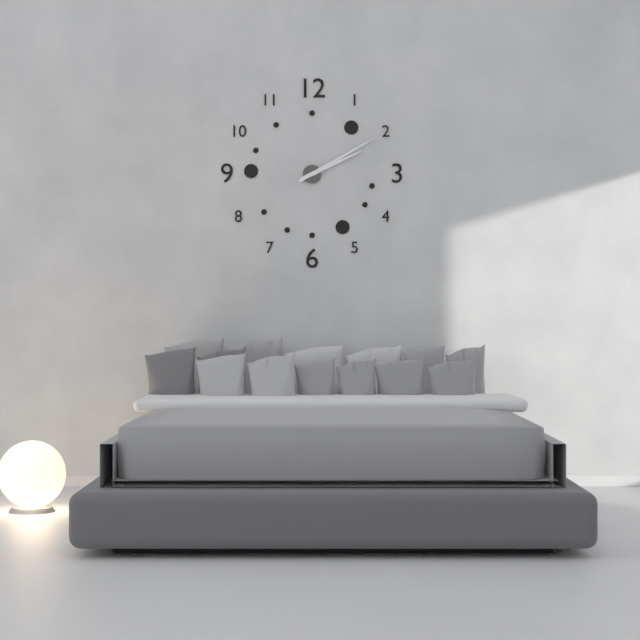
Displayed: **2:10**
